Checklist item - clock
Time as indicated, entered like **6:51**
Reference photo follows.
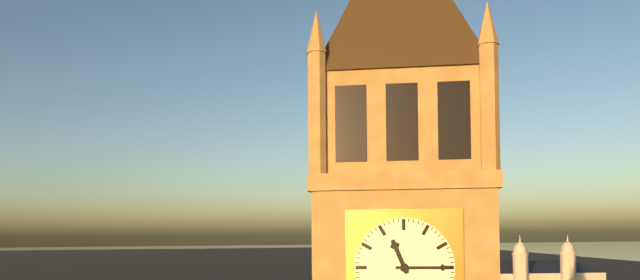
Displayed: **11:15**
